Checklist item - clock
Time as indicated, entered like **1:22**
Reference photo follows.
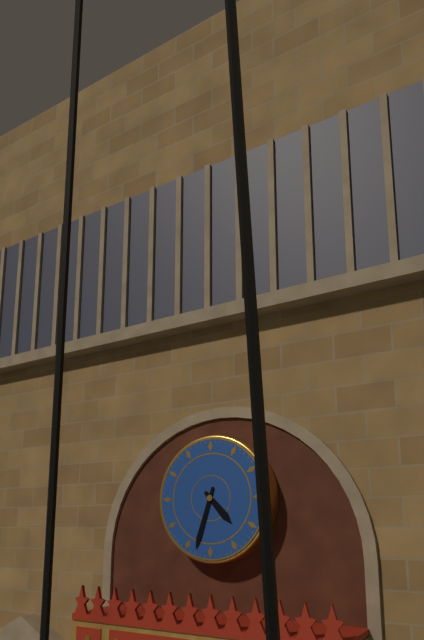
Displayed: **4:33**
